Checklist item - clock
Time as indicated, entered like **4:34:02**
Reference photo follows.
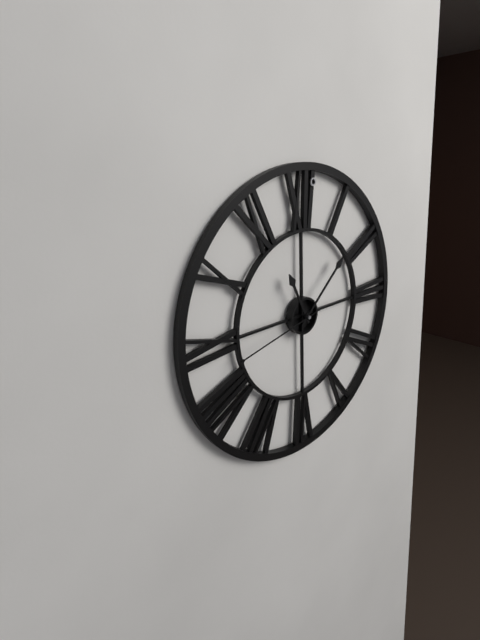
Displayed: **11:08:43**
